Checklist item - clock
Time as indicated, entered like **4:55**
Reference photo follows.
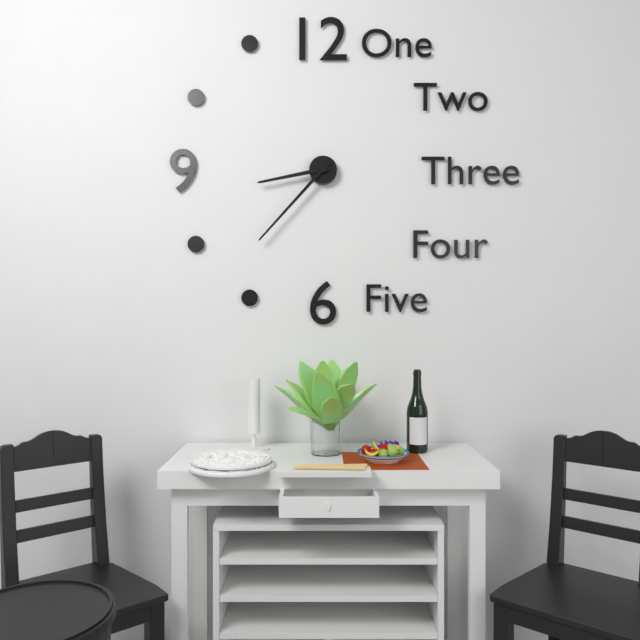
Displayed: **8:37**
